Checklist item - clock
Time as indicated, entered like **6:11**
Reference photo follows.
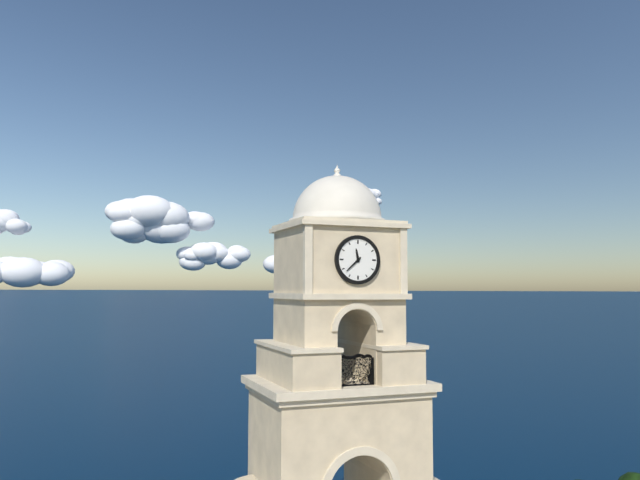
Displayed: **11:38**
